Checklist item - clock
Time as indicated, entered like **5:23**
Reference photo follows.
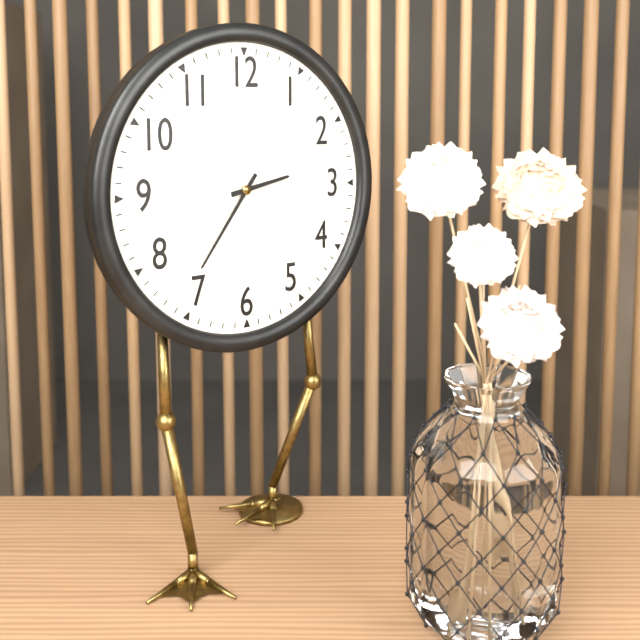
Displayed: **2:36**
